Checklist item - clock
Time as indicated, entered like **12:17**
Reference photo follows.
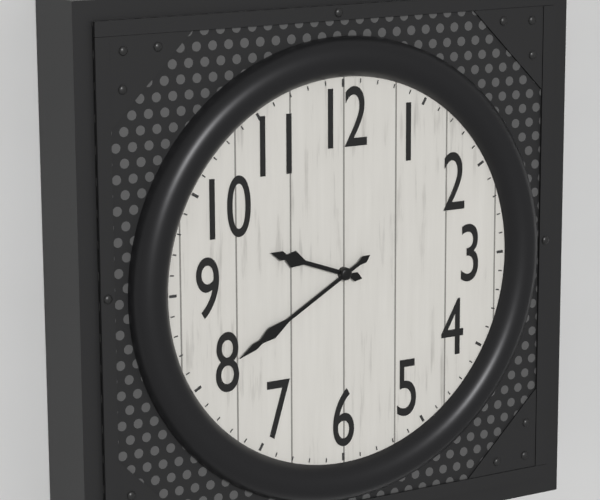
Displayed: **9:40**
